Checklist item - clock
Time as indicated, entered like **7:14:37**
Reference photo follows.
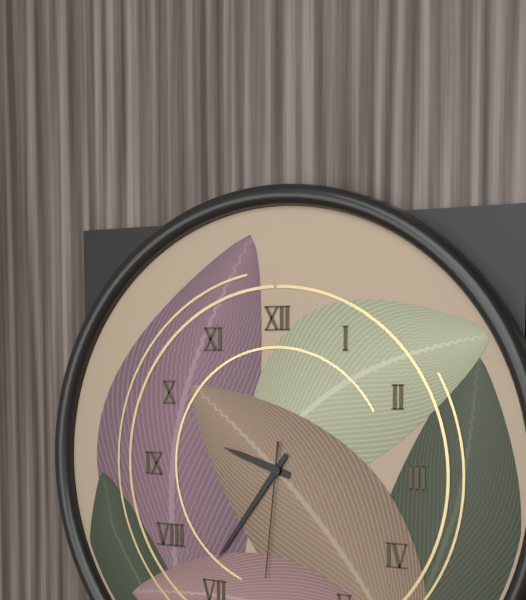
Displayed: **9:36:31**
